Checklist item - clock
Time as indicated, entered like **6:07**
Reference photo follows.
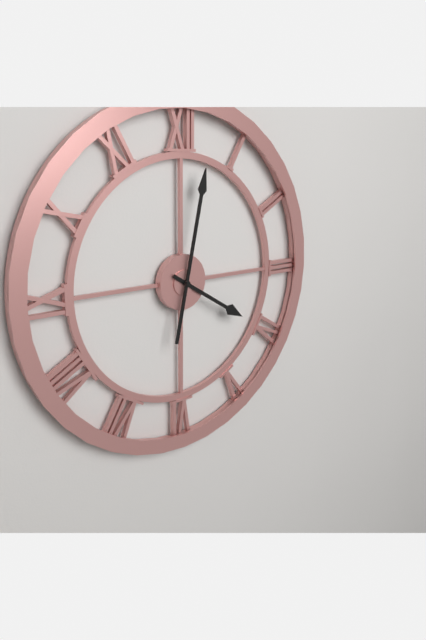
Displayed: **4:02**
